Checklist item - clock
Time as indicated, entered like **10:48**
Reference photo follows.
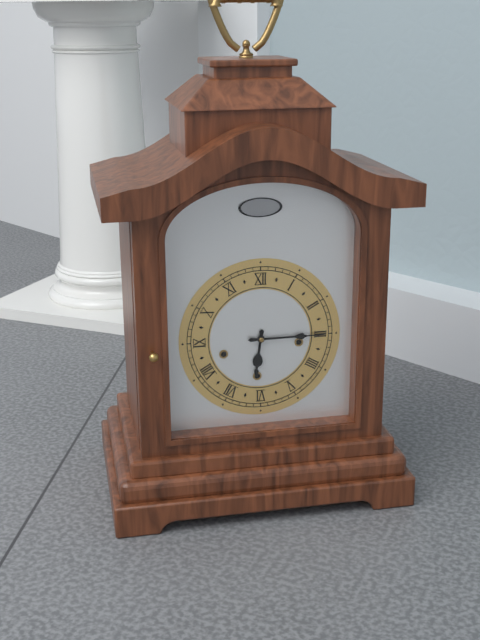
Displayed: **6:15**
